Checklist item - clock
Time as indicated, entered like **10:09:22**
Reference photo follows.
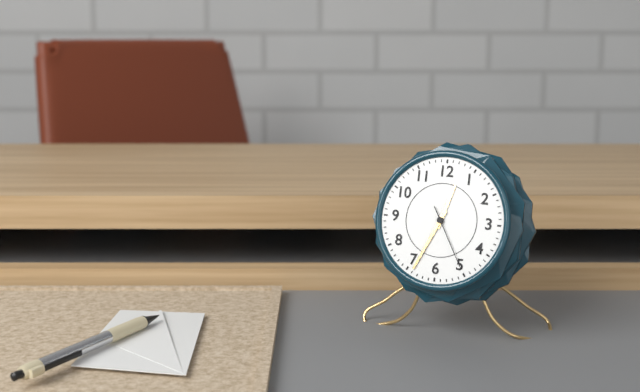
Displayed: **12:34:25**
